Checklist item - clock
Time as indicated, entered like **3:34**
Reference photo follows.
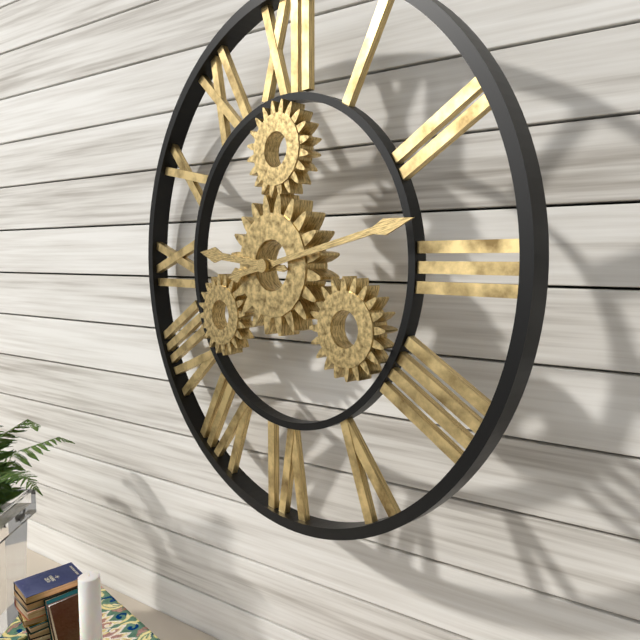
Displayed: **9:13**
